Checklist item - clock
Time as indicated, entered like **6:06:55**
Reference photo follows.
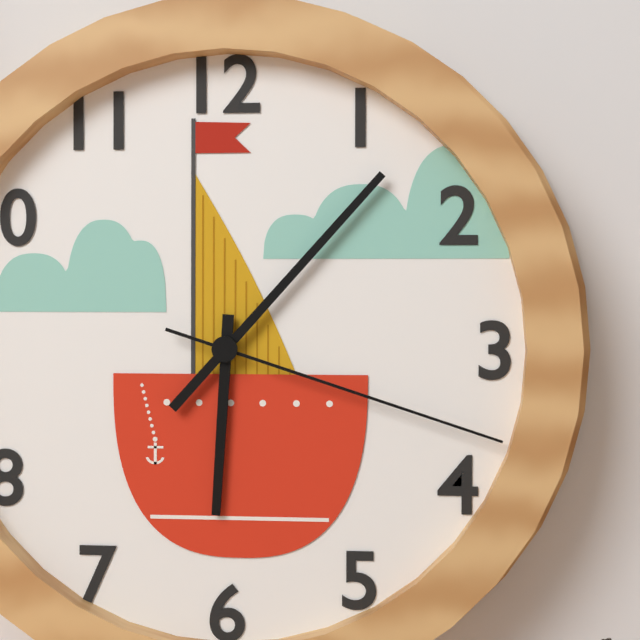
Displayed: **6:07:18**
